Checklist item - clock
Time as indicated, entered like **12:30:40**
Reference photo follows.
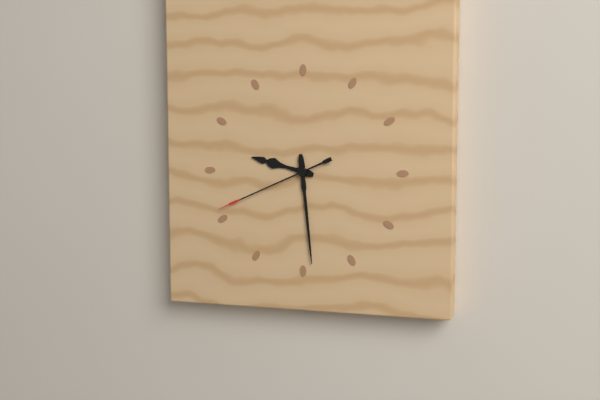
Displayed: **9:29:41**
